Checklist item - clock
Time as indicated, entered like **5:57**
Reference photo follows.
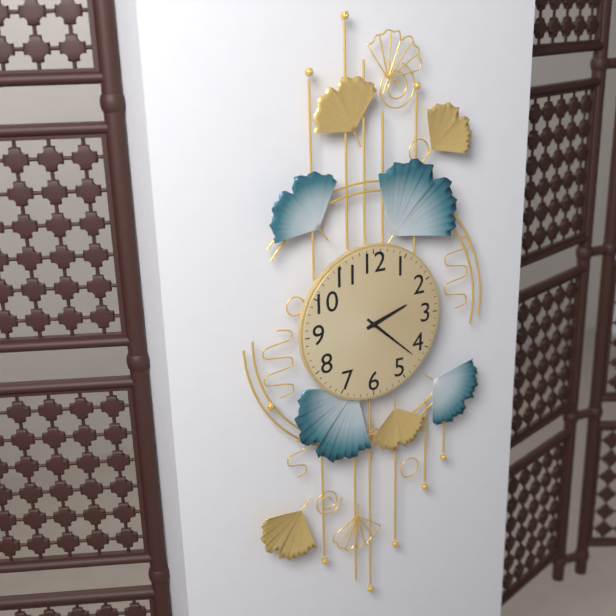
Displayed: **2:22**
